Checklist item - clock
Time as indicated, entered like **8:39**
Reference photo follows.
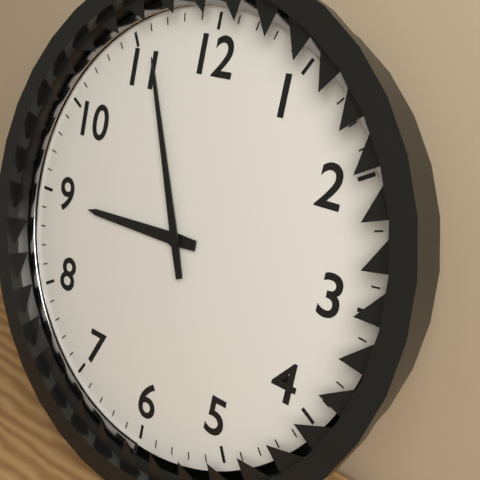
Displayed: **8:56**
